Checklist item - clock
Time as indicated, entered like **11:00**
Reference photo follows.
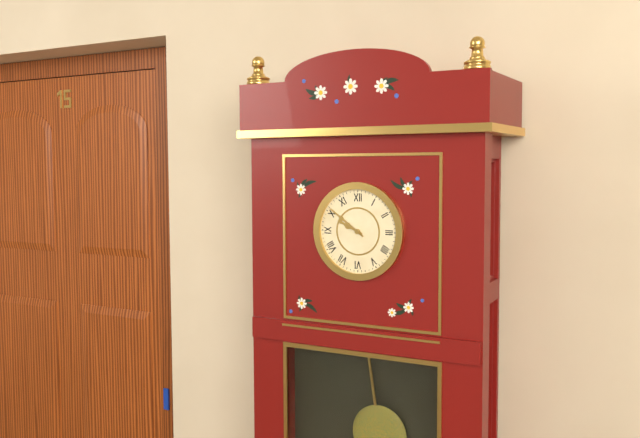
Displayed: **9:51**
